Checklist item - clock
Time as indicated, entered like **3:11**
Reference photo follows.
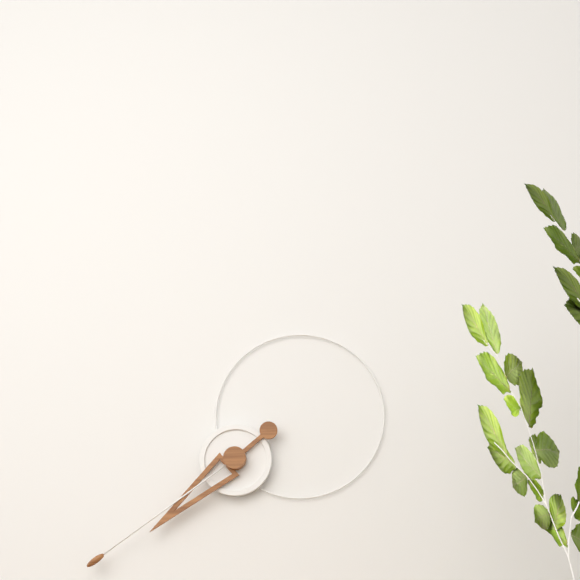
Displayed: **7:39**
